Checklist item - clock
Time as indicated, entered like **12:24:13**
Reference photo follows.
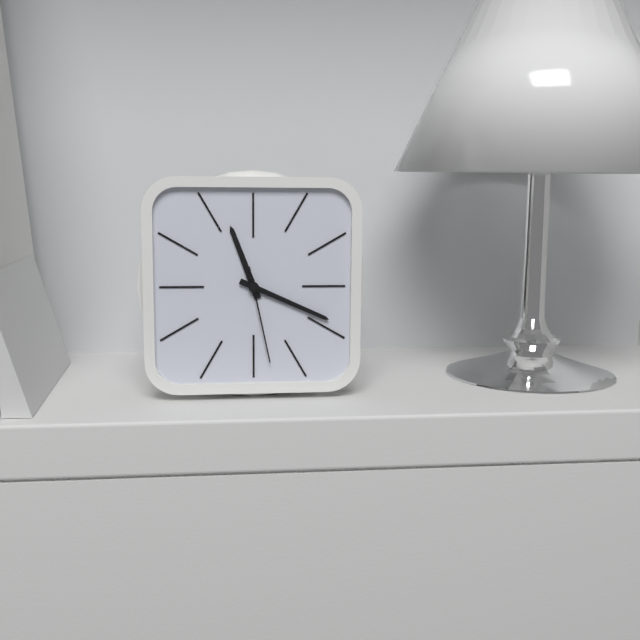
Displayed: **11:19:28**
